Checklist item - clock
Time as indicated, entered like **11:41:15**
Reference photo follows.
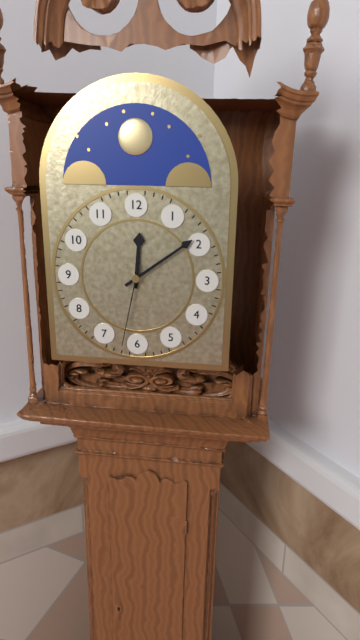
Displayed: **12:09:32**
